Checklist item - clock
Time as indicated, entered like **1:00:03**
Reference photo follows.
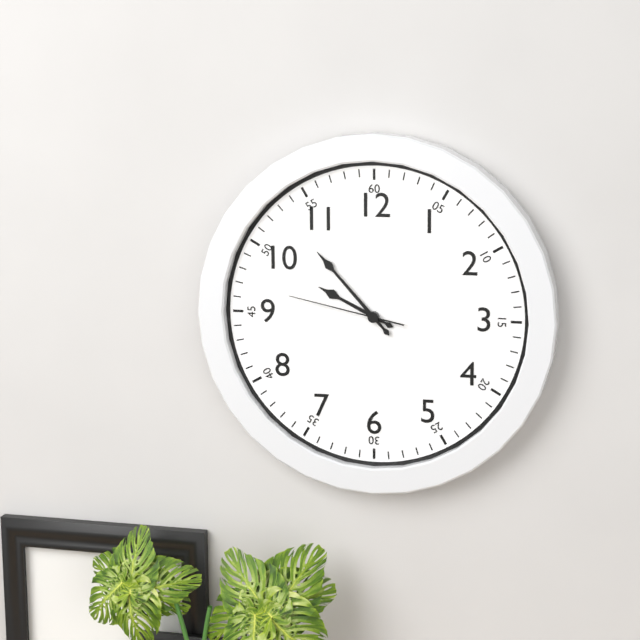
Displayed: **9:53:47**
